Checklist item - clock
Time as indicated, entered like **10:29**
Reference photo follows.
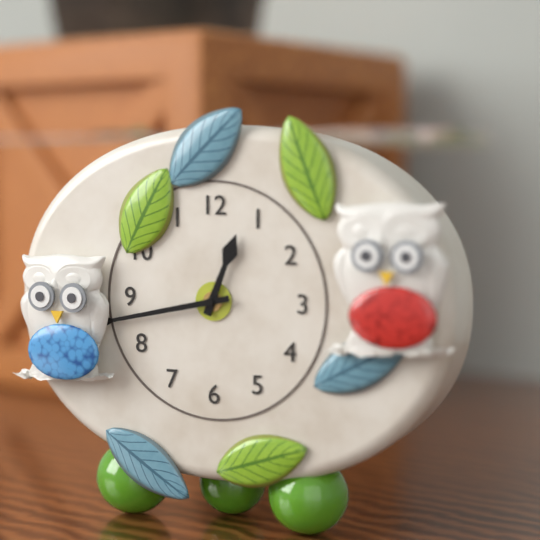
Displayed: **12:43**
